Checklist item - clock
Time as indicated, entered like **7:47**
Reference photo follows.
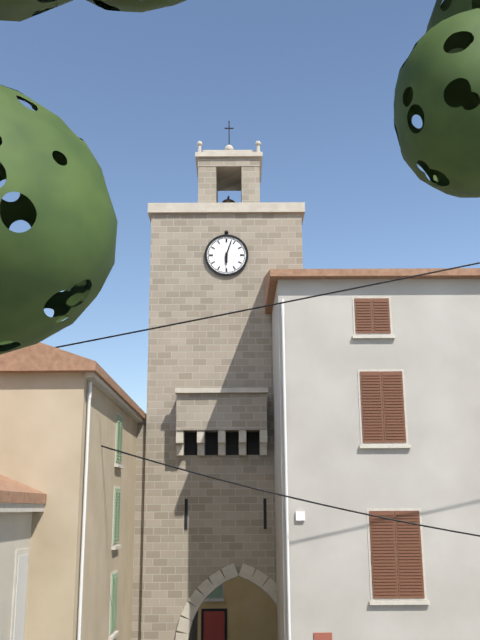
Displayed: **6:03**
